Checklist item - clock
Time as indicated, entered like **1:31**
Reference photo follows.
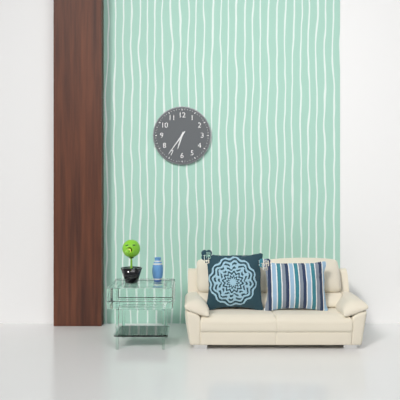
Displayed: **6:36**
